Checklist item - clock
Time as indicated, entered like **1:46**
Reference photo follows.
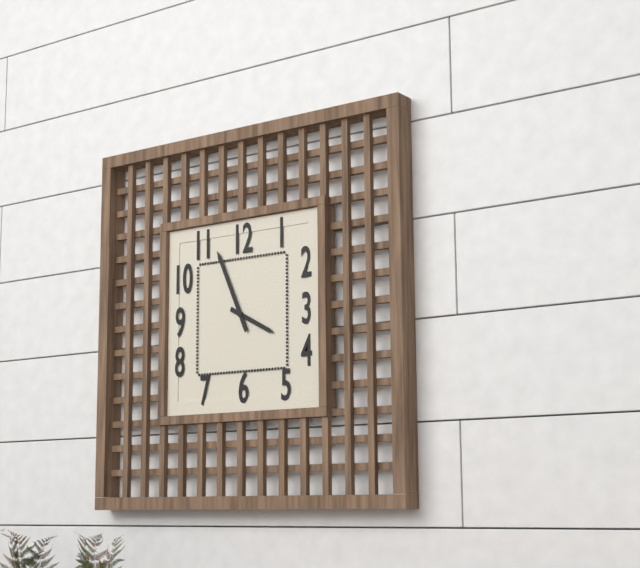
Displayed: **3:56**
